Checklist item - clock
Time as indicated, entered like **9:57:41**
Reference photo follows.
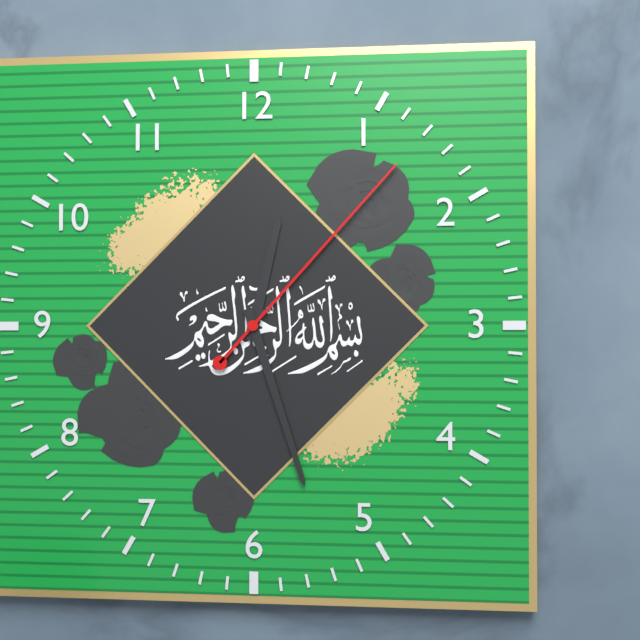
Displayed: **12:27:07**
